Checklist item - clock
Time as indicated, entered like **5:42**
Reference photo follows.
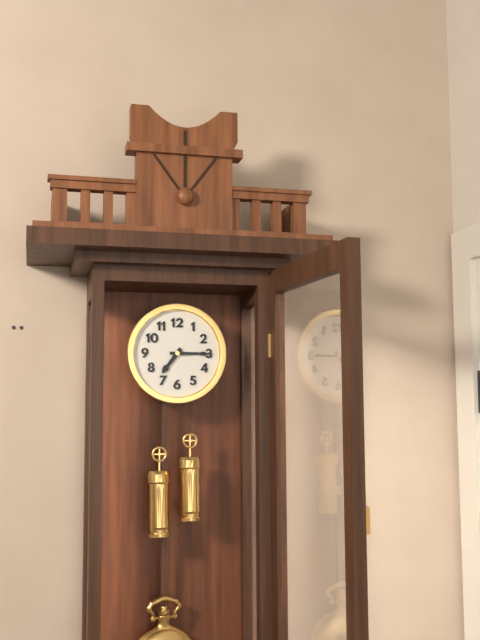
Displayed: **7:15**
